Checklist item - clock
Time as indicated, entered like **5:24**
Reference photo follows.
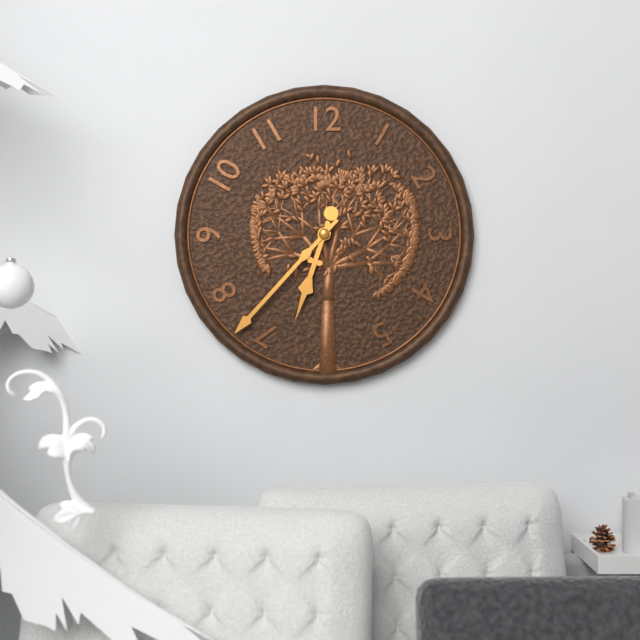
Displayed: **6:37**
